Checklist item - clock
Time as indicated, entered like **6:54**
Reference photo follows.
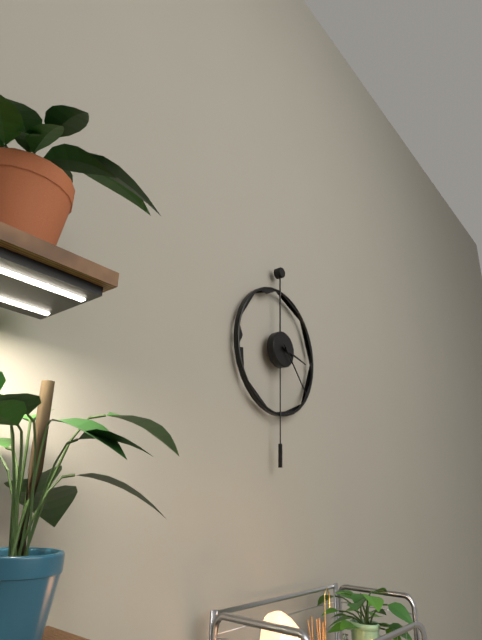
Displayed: **3:23**
